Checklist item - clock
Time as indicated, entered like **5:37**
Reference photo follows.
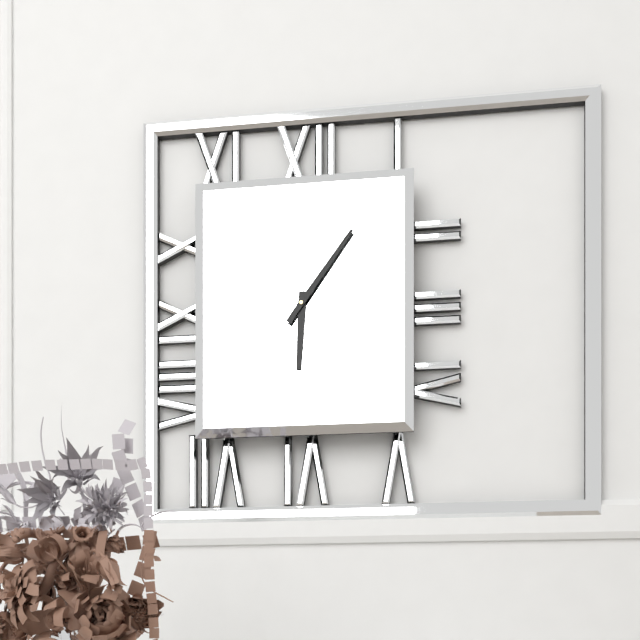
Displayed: **6:06**
